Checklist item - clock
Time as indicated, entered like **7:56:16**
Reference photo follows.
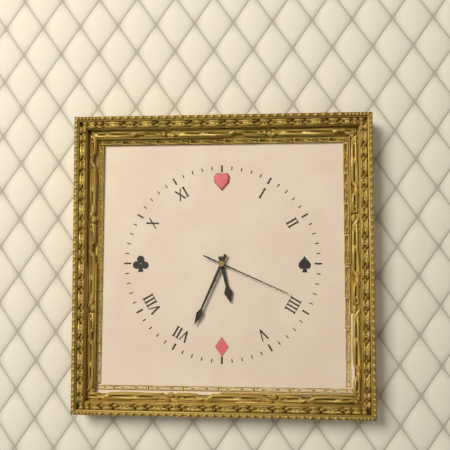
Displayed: **5:34:19**
